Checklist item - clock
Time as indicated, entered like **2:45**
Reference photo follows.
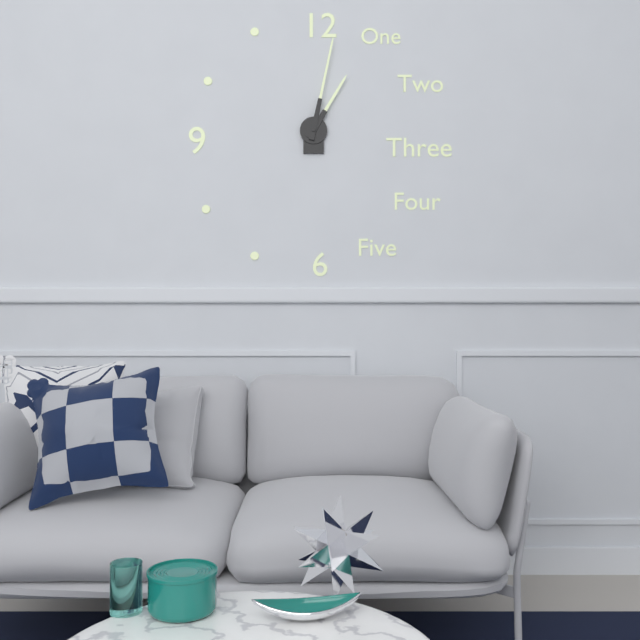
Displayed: **1:02**
